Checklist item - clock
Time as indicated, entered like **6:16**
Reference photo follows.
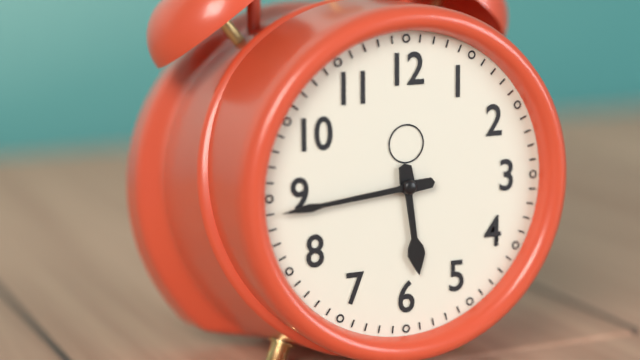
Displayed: **5:44**
